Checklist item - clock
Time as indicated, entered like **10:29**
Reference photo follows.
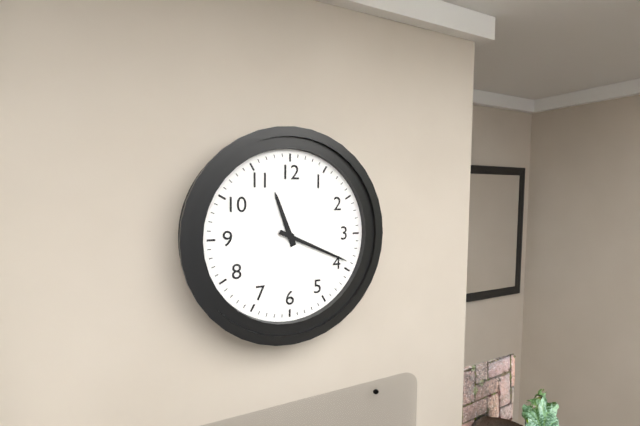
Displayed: **11:19**
